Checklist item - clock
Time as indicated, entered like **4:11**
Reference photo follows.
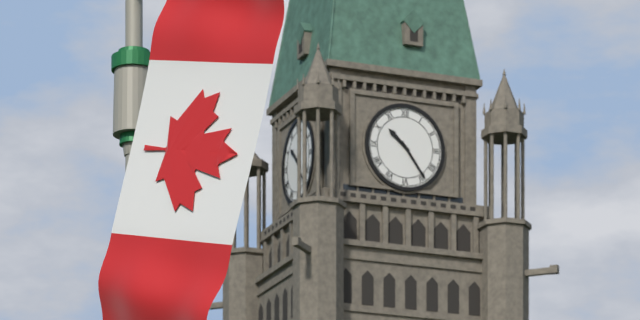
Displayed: **10:24**
